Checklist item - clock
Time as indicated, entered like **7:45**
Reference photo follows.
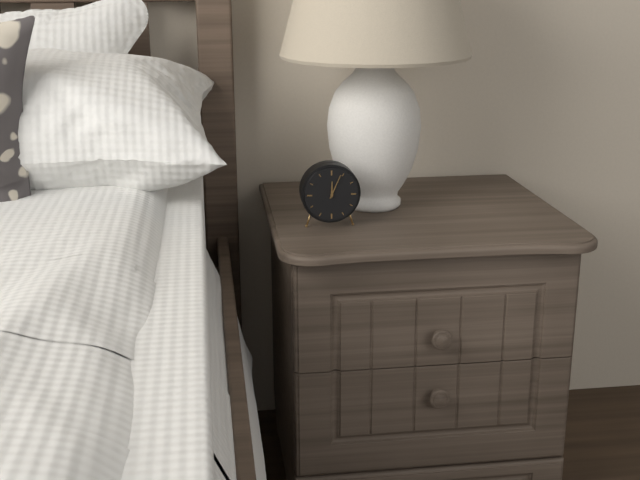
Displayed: **12:04**
